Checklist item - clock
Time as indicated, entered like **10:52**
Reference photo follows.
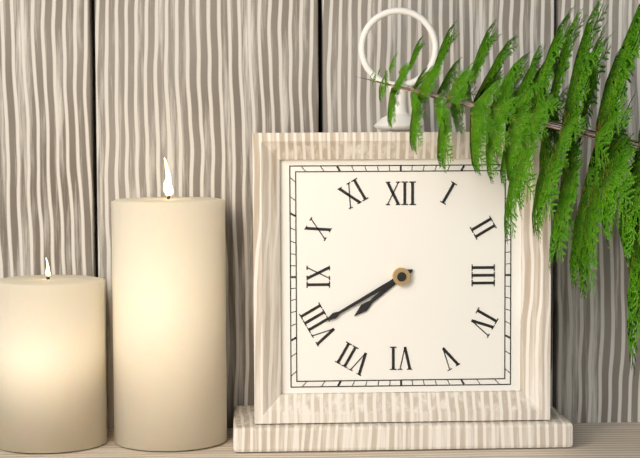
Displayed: **7:40**
